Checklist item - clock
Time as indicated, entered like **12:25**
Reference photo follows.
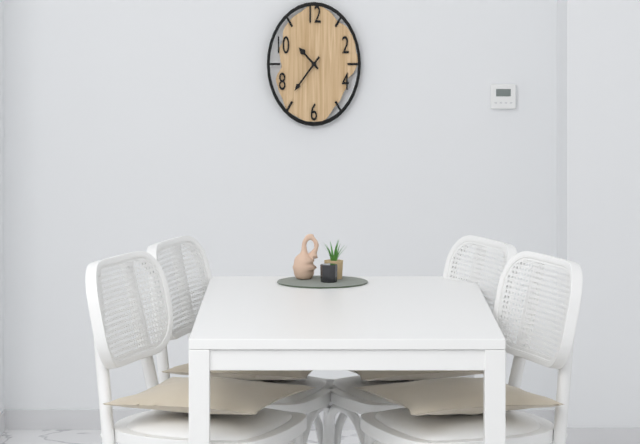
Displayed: **10:36**
